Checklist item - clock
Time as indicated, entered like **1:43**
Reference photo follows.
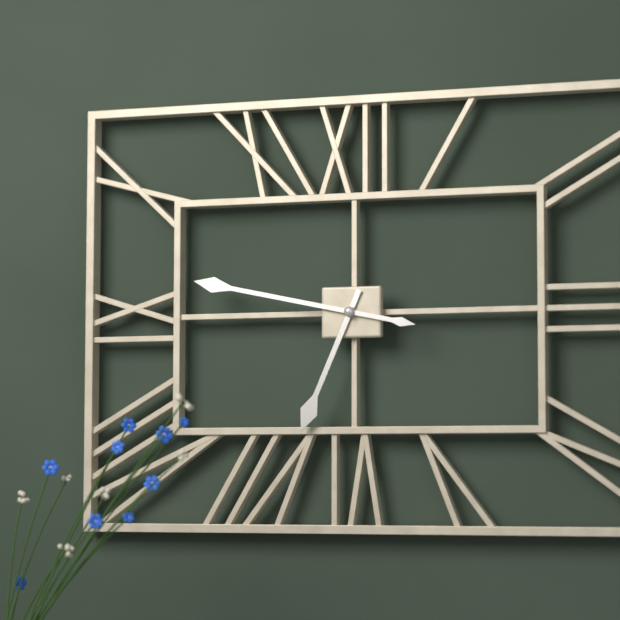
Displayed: **6:47**
